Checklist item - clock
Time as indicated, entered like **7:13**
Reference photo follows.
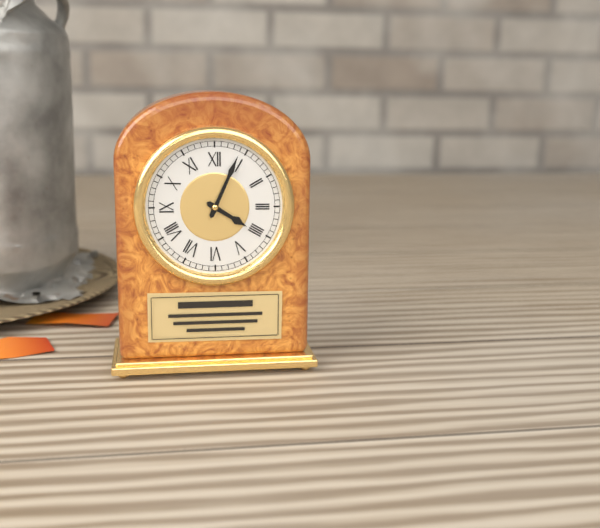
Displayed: **4:04**
